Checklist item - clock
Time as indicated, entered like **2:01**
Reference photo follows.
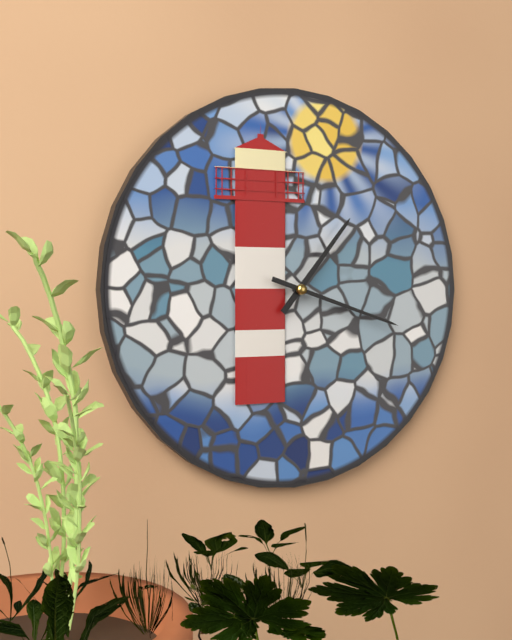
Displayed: **1:18**
